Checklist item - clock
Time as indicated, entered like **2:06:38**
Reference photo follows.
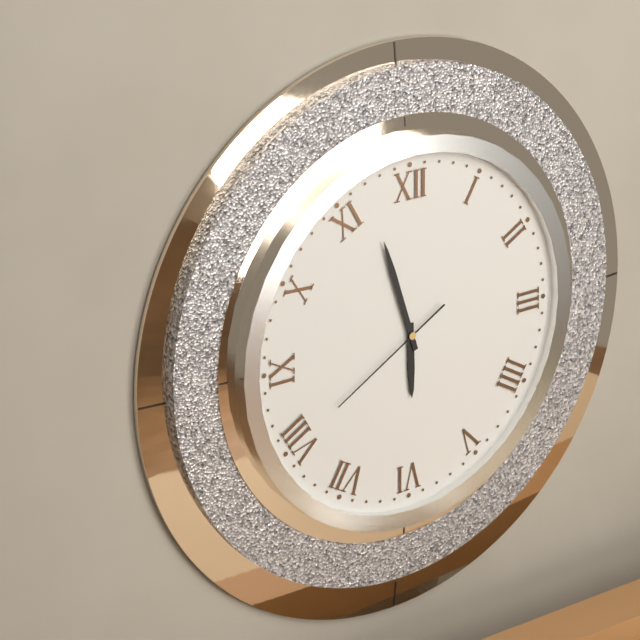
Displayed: **5:57:40**
